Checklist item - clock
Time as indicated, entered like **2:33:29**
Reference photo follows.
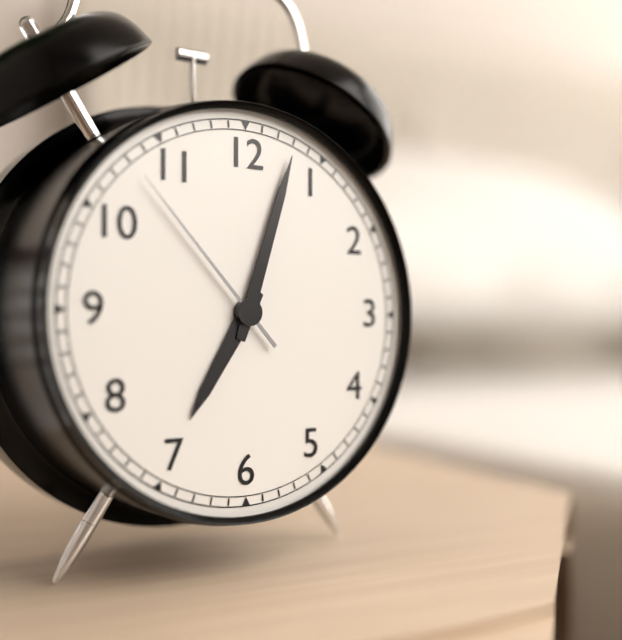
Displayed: **7:03:53**
